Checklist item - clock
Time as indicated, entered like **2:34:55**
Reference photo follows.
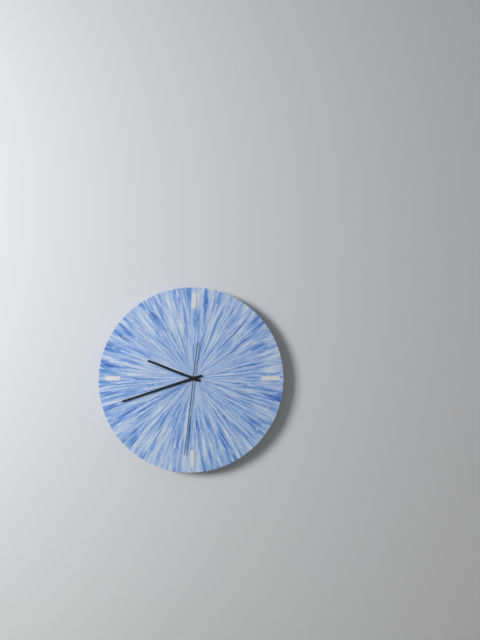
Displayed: **9:42:31**
